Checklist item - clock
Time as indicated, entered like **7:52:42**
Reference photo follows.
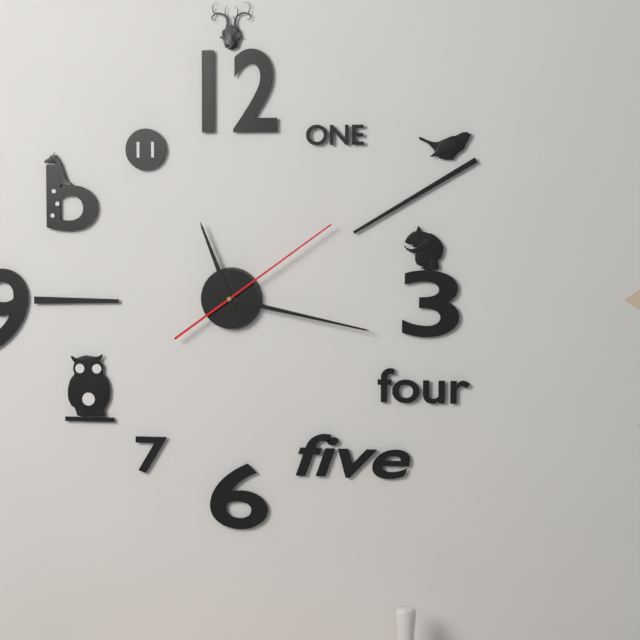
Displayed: **11:17:09**
